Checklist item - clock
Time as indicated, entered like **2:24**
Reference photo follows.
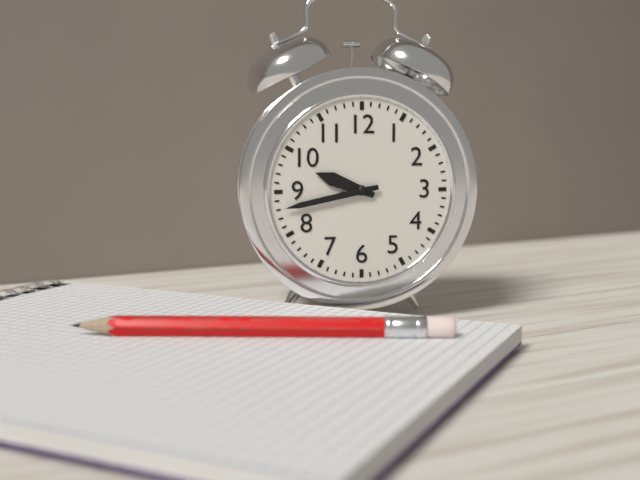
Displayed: **9:43**
